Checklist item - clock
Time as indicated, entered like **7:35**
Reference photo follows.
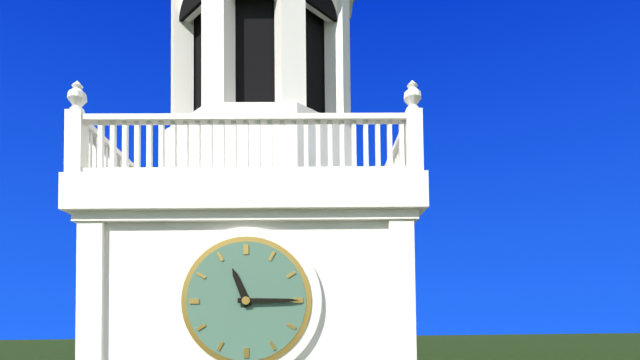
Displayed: **11:15**
